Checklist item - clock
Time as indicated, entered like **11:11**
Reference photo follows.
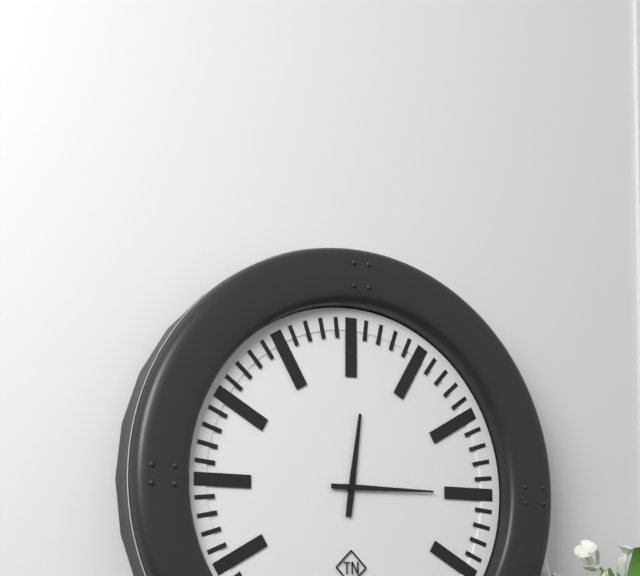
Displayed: **12:15**
